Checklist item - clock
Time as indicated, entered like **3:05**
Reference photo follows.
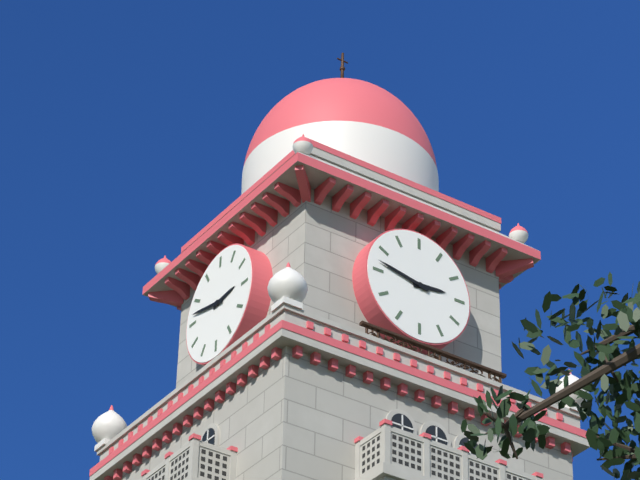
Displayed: **2:47**
